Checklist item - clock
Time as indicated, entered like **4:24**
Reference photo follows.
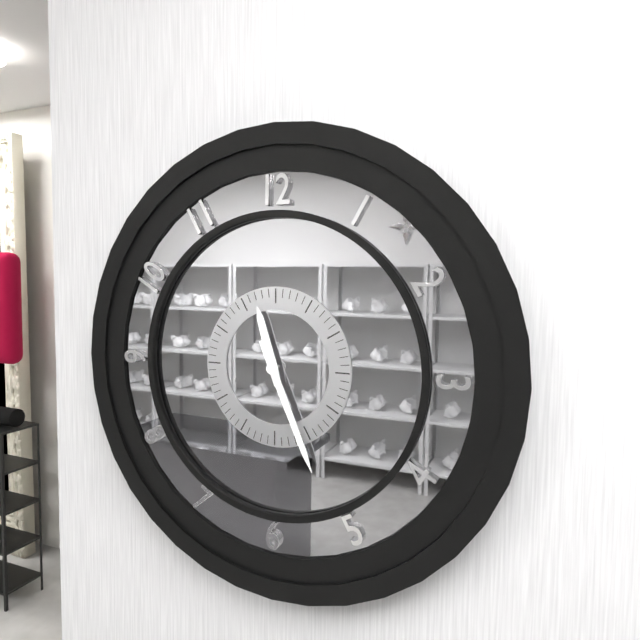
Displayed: **11:26**
